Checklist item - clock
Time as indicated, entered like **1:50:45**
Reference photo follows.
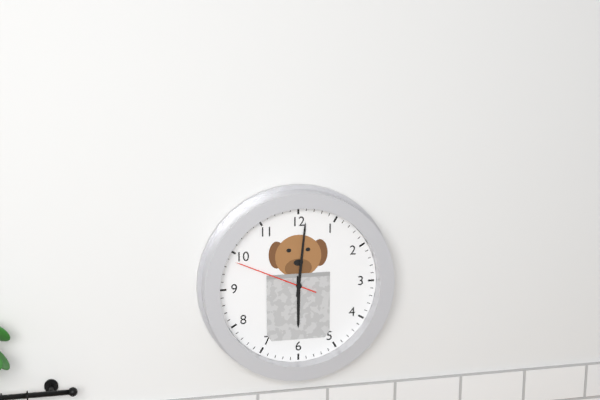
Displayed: **6:01:49**
